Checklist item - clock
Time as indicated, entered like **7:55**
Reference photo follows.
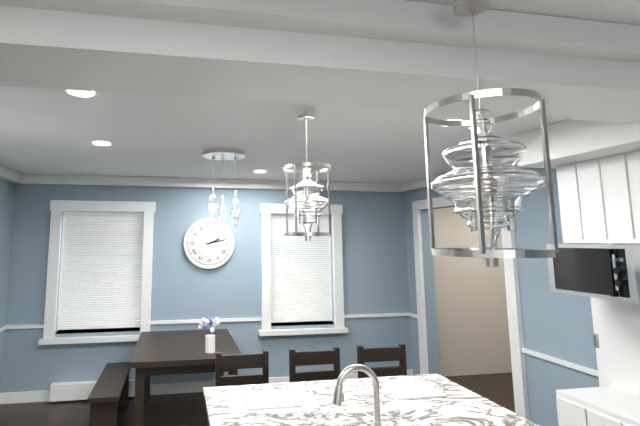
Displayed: **2:13**
